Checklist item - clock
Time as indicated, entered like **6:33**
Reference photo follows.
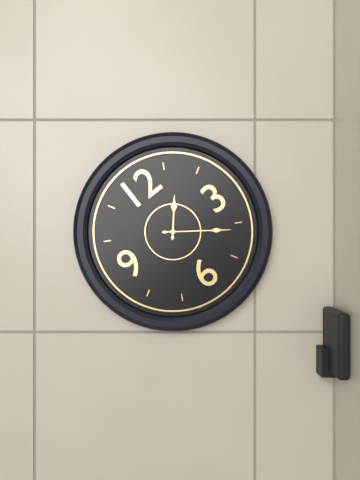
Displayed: **1:21**
